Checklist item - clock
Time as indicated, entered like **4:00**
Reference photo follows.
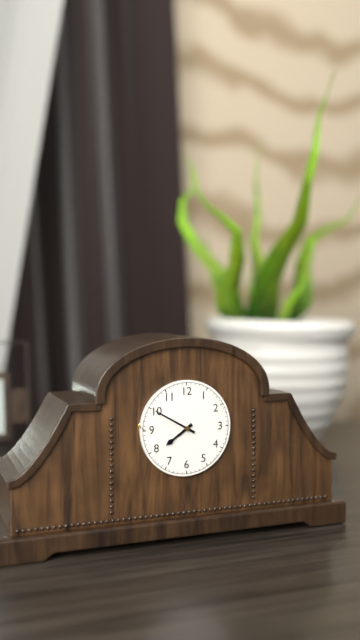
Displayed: **7:50**
